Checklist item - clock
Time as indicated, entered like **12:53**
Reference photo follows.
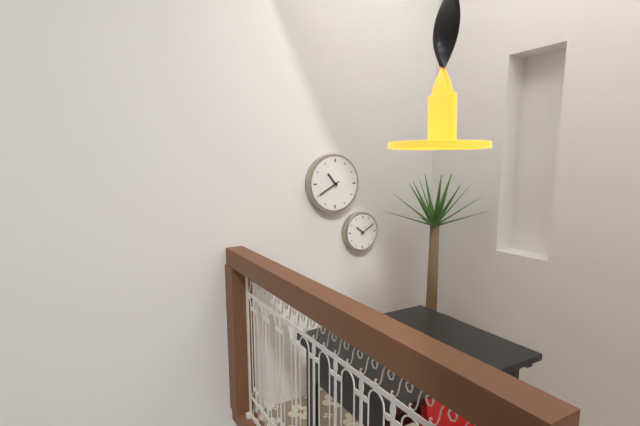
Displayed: **10:40**
